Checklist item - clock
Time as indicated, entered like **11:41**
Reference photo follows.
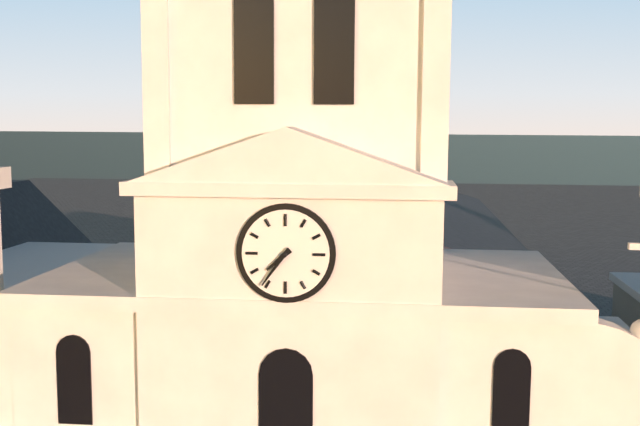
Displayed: **7:36**
